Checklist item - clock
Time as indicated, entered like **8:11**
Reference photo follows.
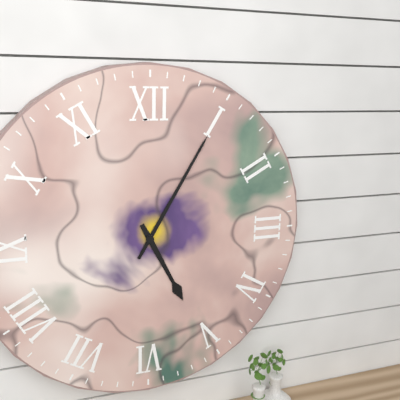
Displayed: **5:05**
